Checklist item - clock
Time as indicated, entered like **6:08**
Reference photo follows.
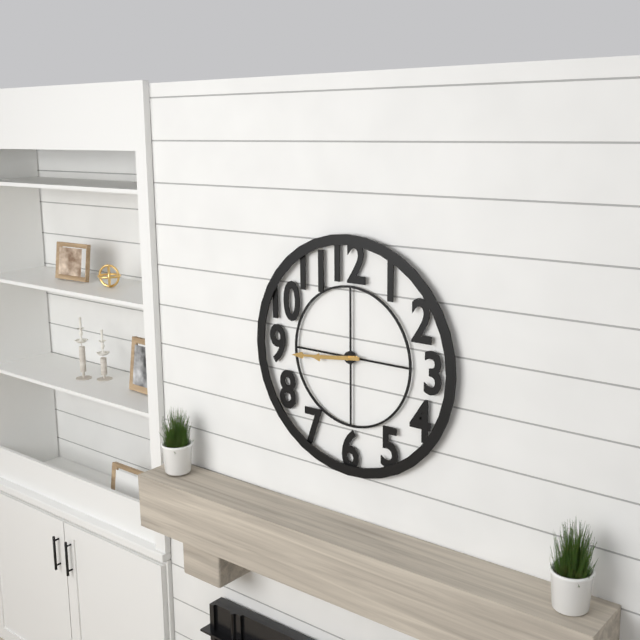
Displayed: **8:44**
